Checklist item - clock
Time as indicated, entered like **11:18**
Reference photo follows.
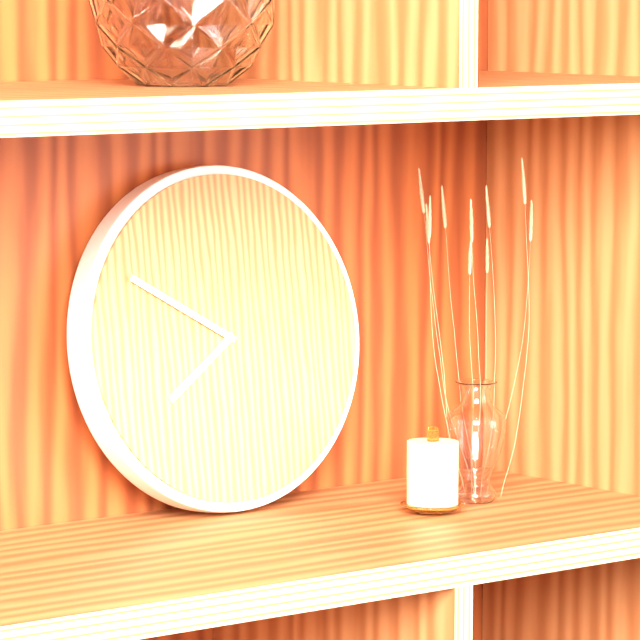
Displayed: **7:50**
